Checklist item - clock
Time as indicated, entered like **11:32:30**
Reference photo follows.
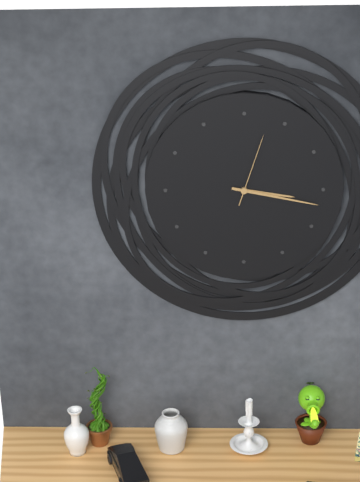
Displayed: **3:17:03**
